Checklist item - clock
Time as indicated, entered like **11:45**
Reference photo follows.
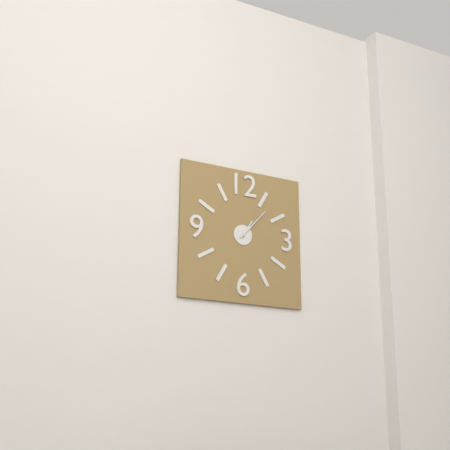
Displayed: **1:07**
